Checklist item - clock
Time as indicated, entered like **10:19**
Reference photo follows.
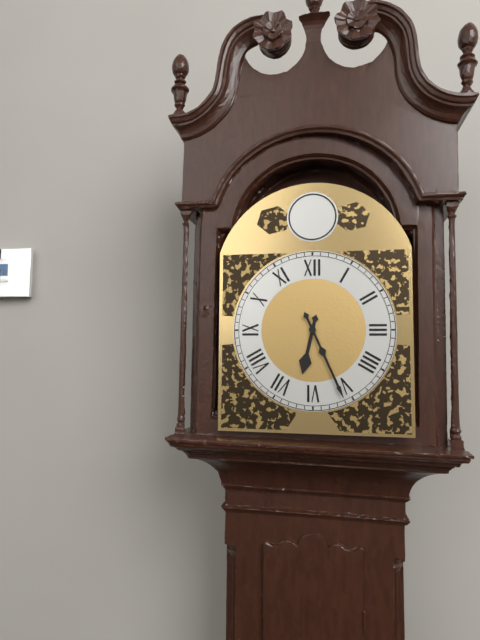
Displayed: **6:26**
